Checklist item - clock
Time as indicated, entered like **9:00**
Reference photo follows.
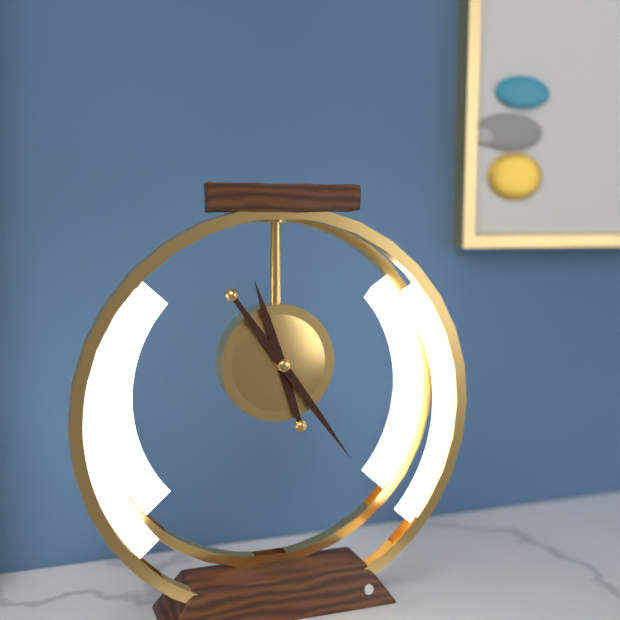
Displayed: **11:24**
